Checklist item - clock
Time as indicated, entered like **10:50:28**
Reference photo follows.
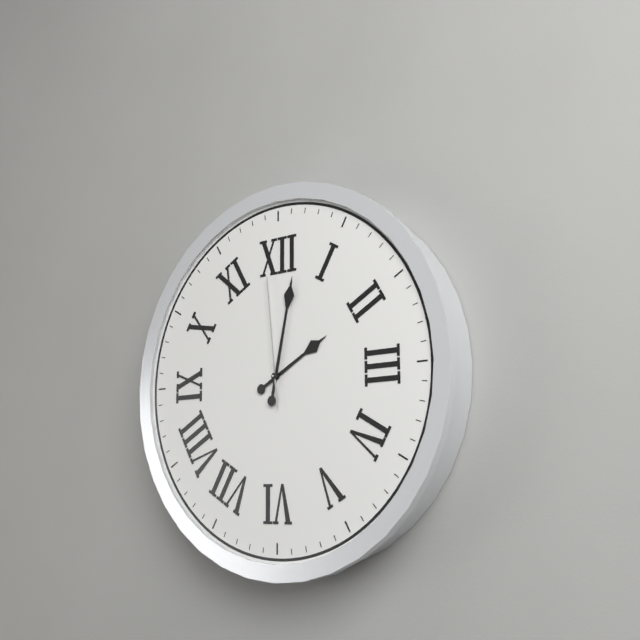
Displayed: **2:02:59**
